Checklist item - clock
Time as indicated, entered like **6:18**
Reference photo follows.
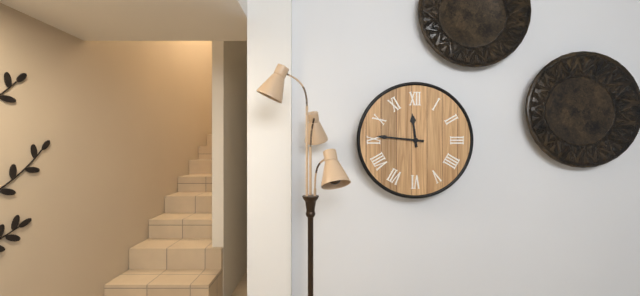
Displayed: **11:46**
